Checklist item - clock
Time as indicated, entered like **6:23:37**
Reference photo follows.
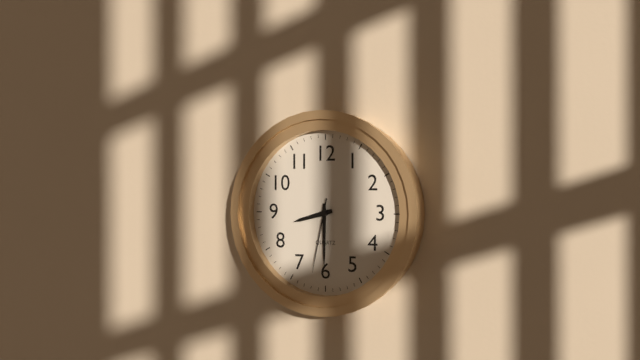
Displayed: **8:30:32**
